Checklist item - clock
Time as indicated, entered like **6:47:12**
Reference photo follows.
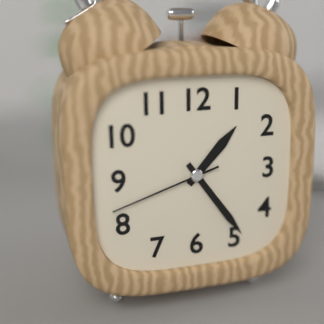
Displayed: **1:24:42**
